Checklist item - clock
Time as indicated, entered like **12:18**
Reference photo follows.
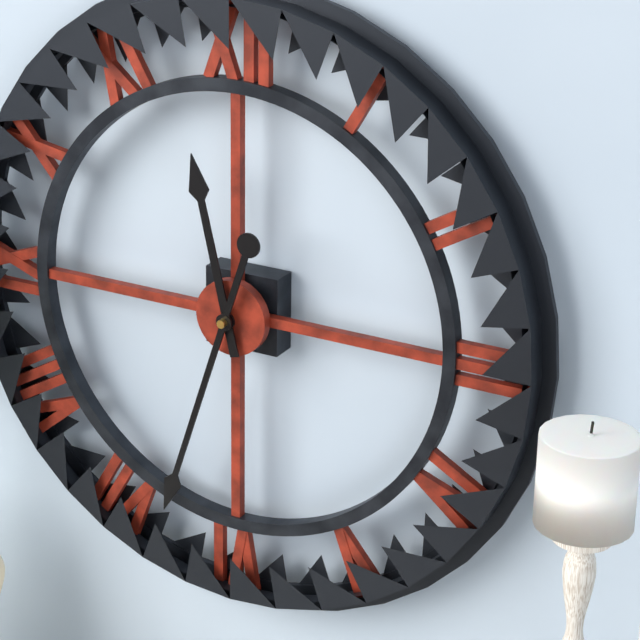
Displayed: **11:33**
